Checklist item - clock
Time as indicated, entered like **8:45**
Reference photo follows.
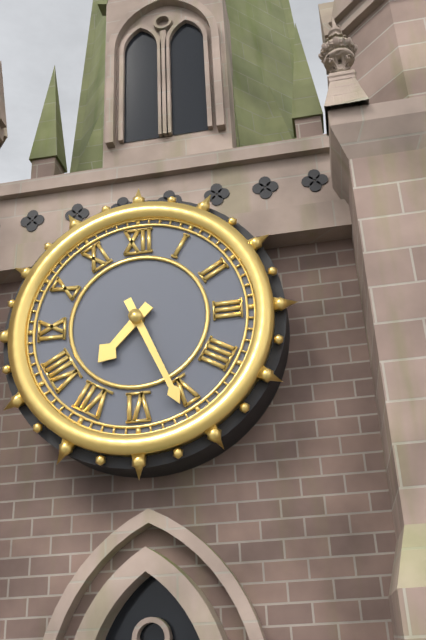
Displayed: **7:26**
